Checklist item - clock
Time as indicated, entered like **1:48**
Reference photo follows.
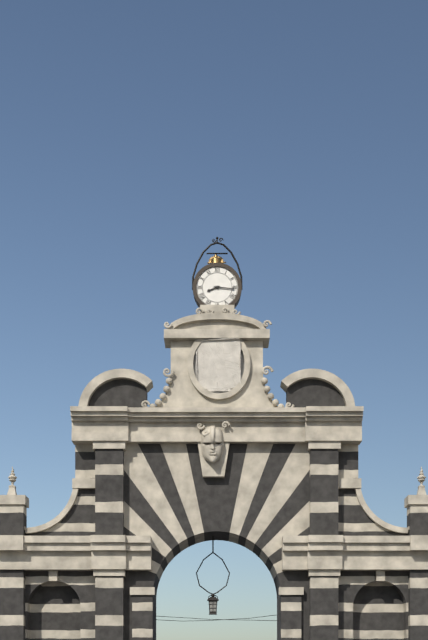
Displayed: **8:16**
